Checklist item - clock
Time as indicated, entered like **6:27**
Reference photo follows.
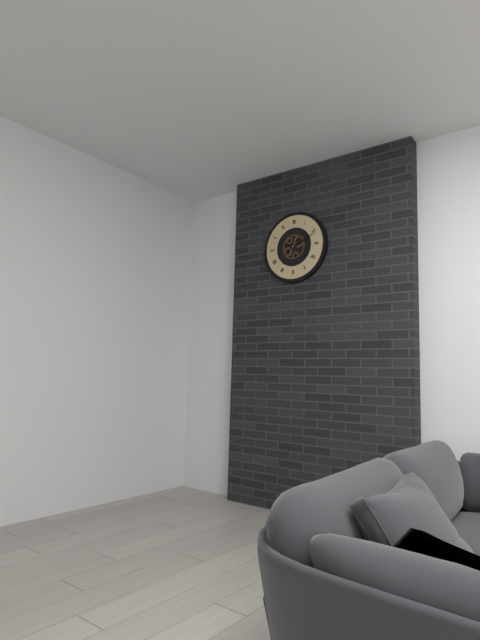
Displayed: **2:11**
